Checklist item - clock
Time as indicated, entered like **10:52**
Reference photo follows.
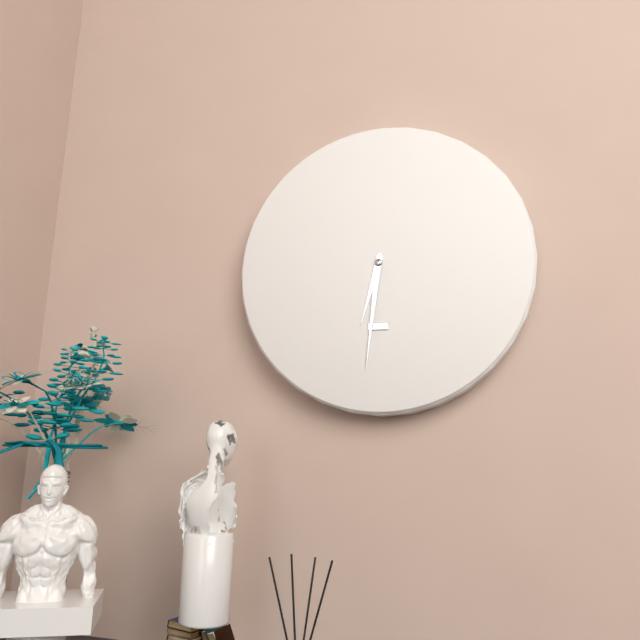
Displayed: **6:31**
